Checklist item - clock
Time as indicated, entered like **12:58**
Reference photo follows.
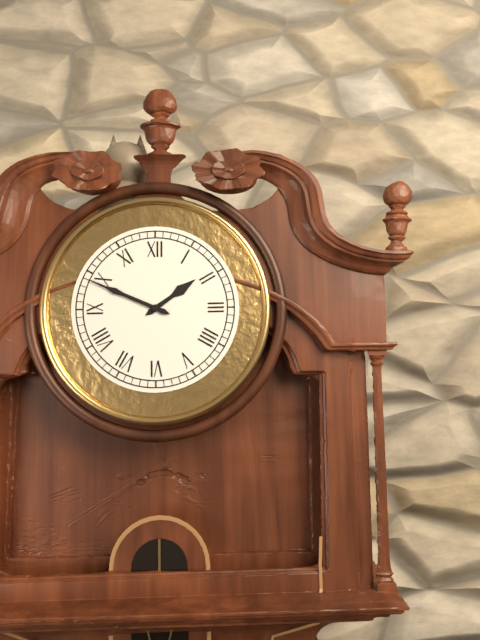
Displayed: **1:49**
